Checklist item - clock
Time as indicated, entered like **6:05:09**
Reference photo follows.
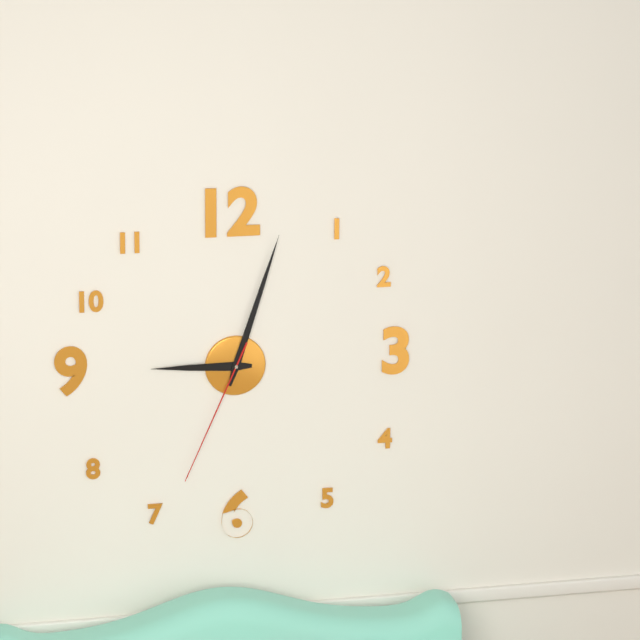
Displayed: **9:03:34**
